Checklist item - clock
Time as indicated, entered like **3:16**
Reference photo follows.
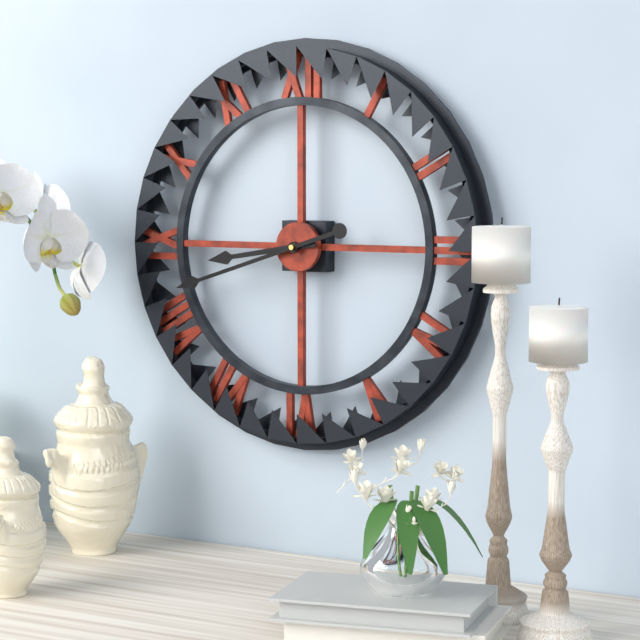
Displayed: **8:42**
